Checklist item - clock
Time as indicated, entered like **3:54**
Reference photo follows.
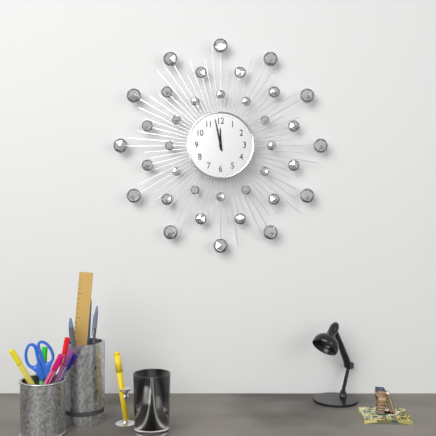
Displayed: **11:58**
